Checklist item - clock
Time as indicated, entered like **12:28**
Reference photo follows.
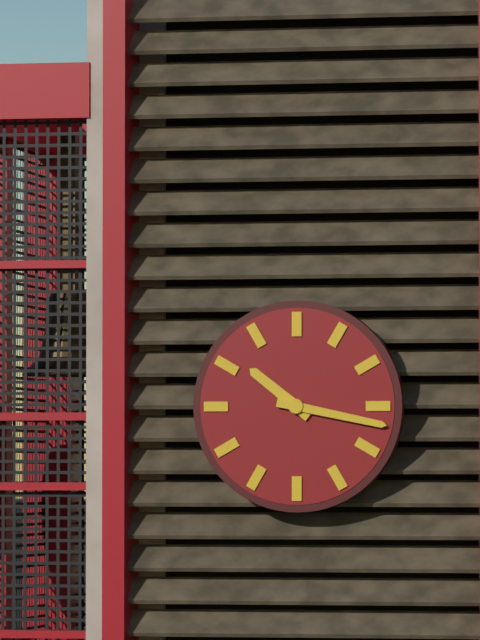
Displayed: **10:17**
